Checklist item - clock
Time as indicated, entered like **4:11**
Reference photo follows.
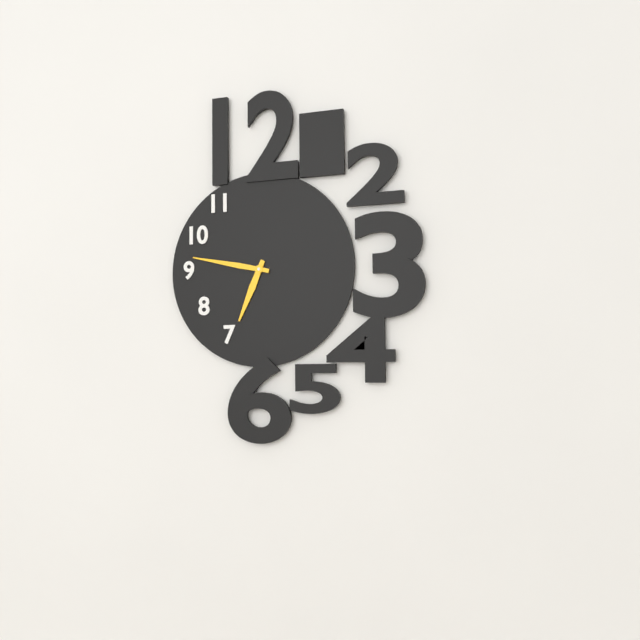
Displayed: **6:47**
